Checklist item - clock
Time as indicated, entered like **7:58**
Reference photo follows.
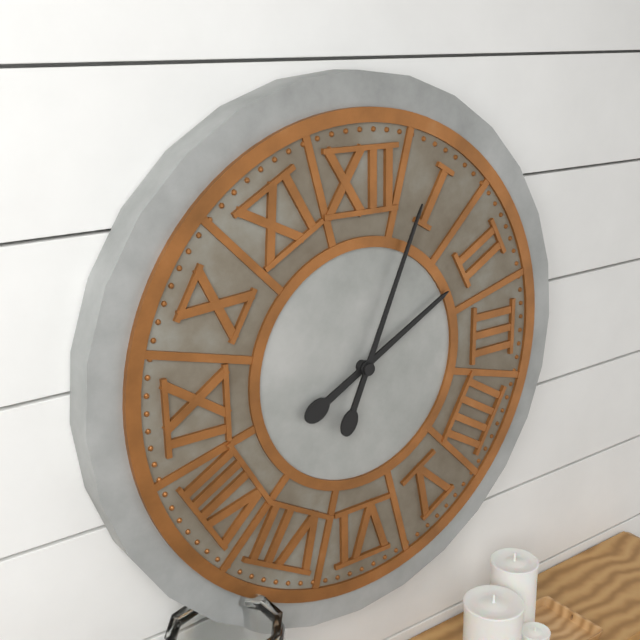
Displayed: **2:04**
